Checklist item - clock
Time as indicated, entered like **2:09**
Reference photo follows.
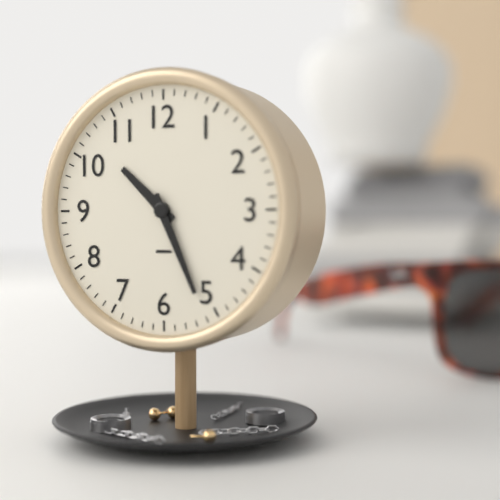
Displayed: **10:26**
